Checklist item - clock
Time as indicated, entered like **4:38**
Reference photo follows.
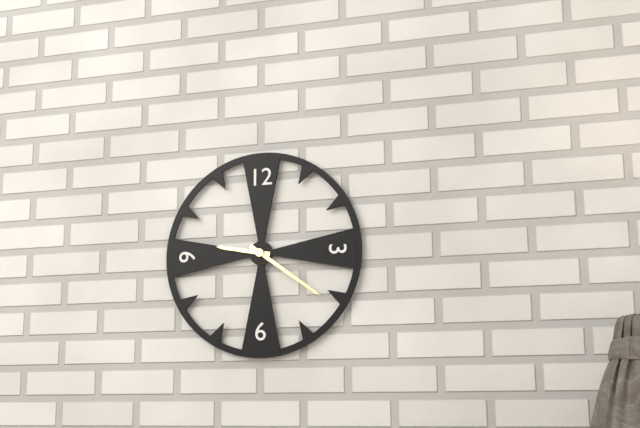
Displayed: **9:21**
